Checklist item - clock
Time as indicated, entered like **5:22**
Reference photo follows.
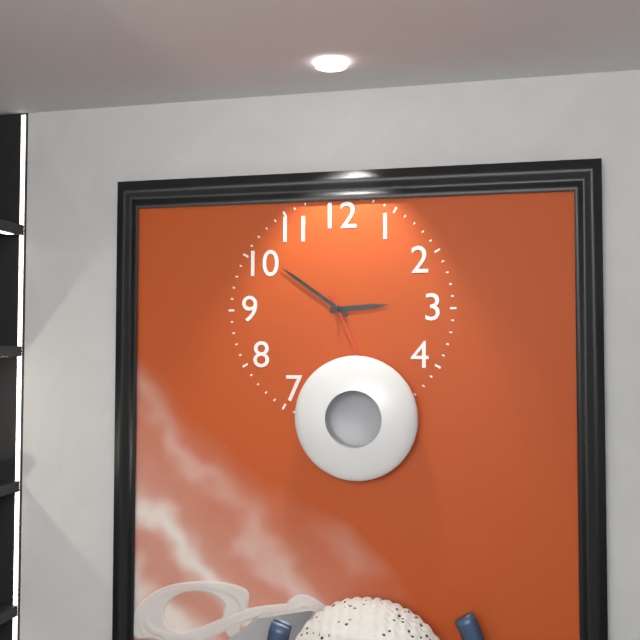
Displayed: **2:51**
